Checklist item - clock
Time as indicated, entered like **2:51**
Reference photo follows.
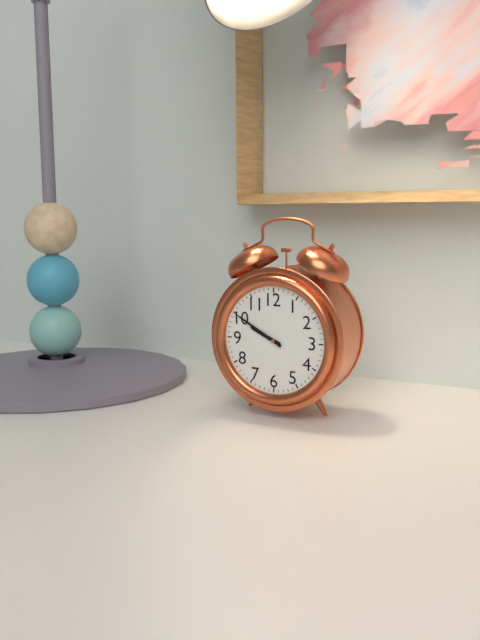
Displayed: **9:50**
